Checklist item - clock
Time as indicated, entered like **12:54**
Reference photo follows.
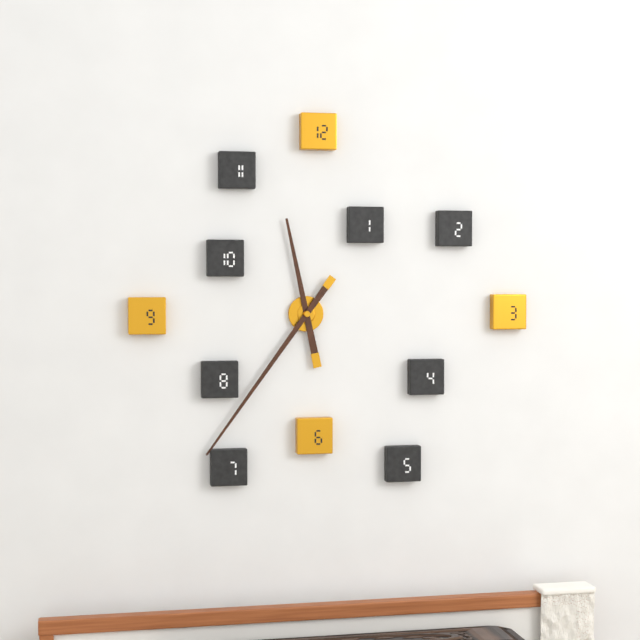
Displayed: **11:36**
